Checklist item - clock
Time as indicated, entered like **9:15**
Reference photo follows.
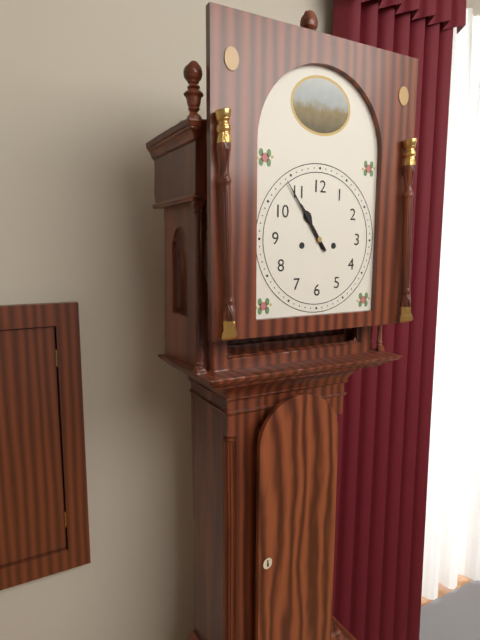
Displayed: **10:54**
